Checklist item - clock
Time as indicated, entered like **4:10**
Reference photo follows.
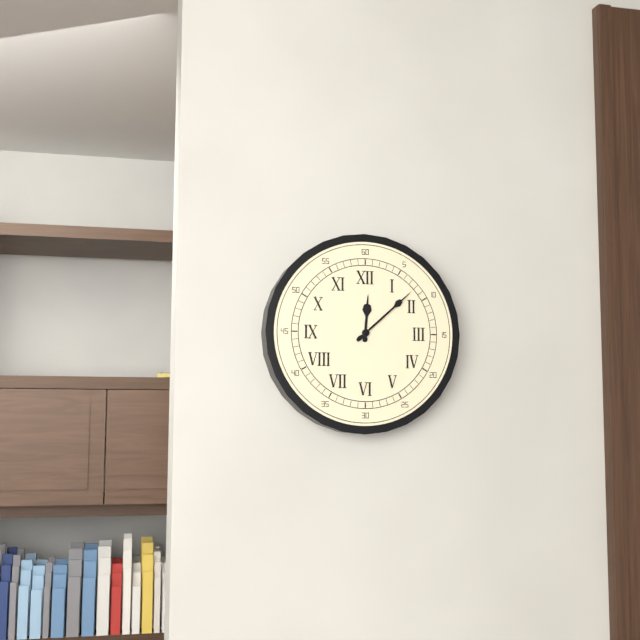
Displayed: **12:08**
